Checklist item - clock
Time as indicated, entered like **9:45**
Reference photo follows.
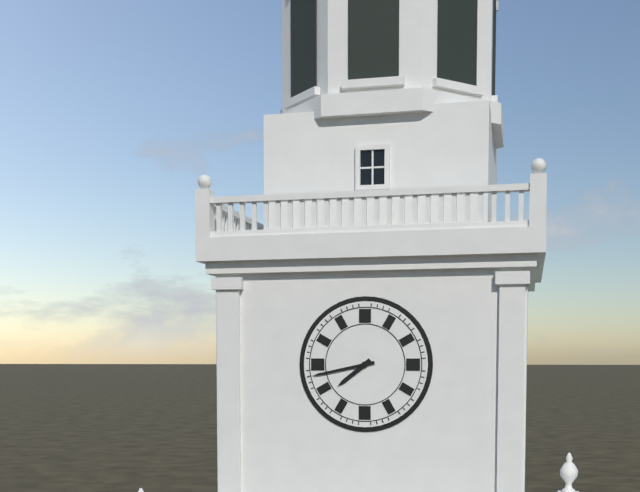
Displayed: **7:43**
